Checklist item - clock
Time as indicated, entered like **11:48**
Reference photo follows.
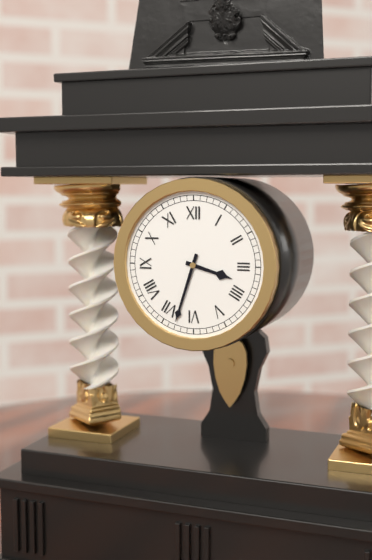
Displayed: **3:33**
